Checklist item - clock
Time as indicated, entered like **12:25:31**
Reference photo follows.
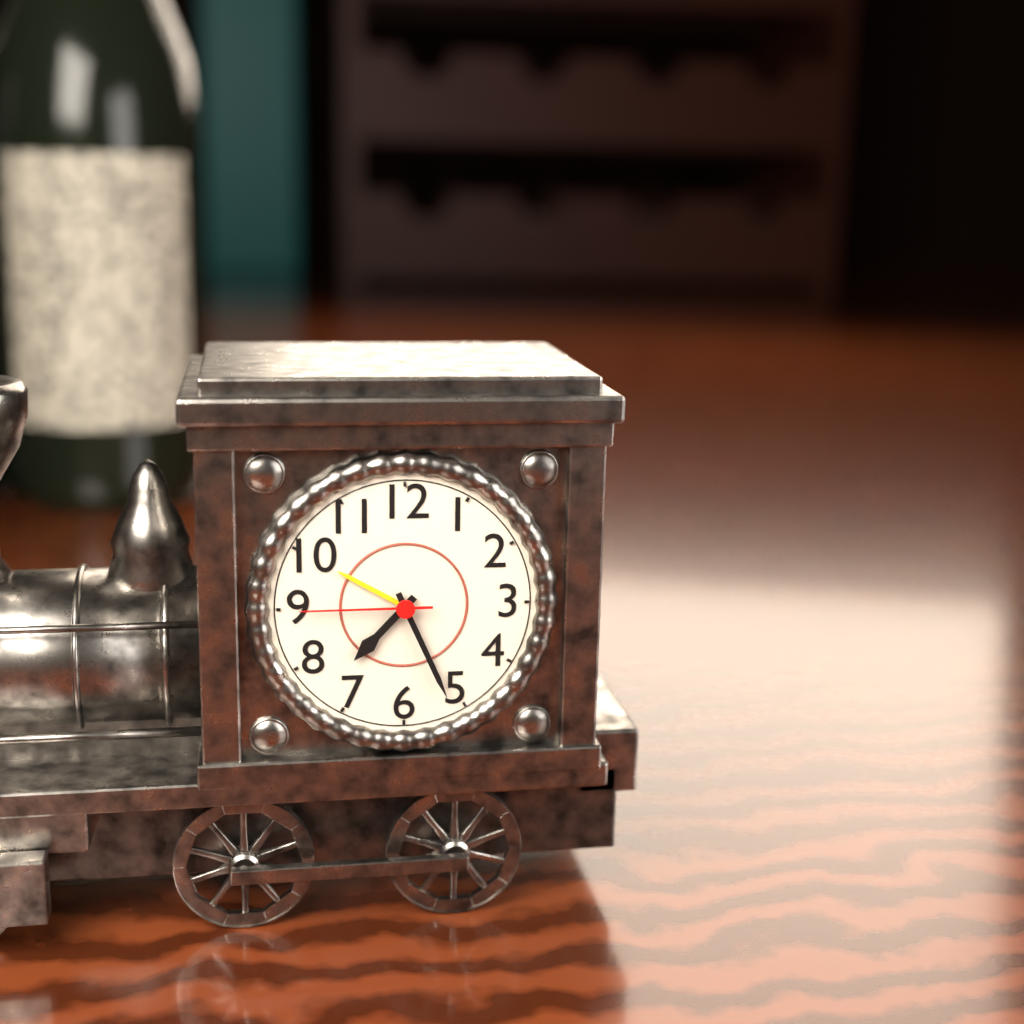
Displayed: **7:26:45**
